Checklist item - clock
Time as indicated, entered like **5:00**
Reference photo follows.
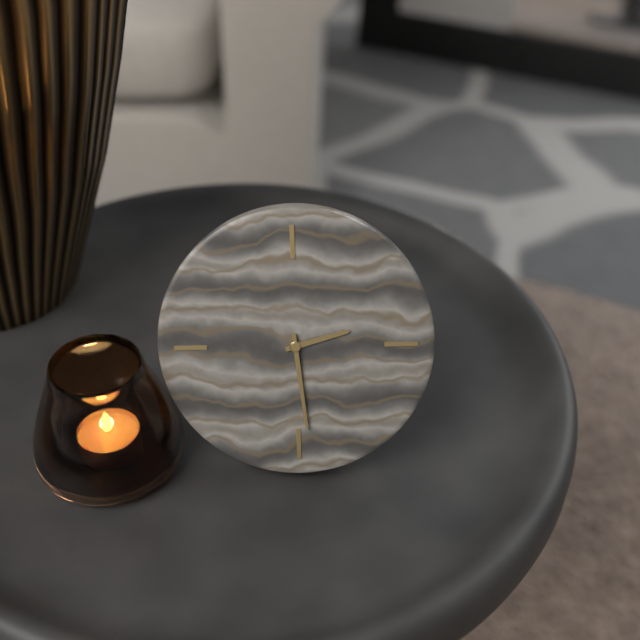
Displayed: **2:29**
